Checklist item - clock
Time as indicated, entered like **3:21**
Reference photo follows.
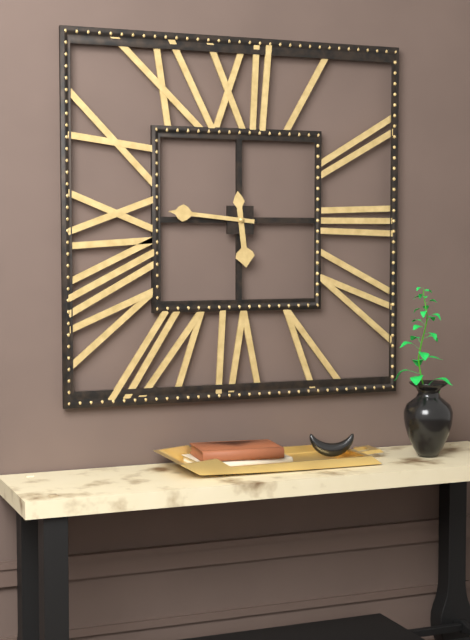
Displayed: **5:46**
